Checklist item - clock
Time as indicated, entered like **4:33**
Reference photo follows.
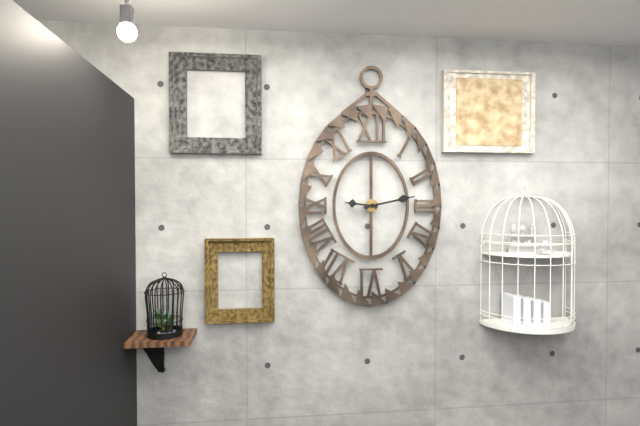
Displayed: **9:13**
